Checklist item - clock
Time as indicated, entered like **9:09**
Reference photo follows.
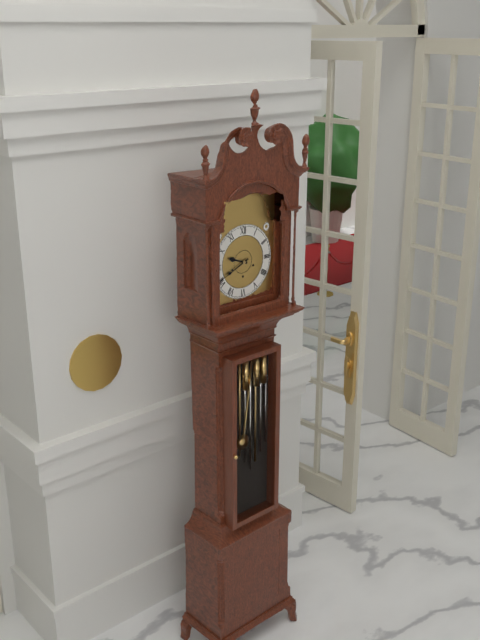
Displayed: **9:41**
